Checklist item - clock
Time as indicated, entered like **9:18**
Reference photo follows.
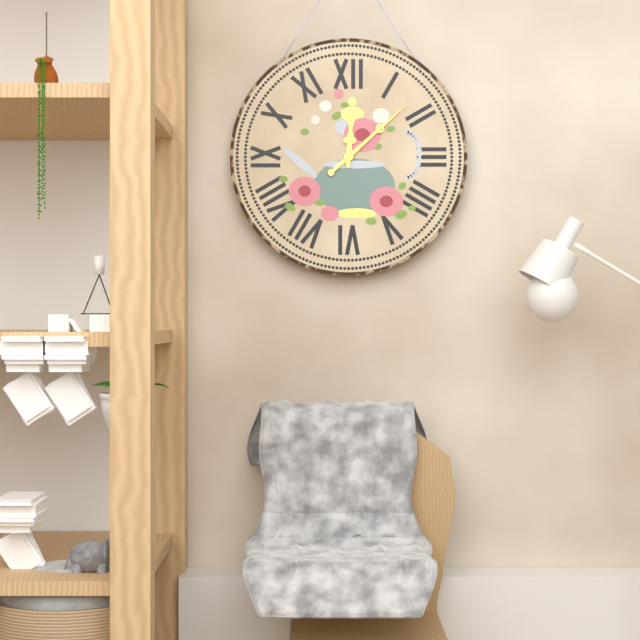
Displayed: **12:08**
